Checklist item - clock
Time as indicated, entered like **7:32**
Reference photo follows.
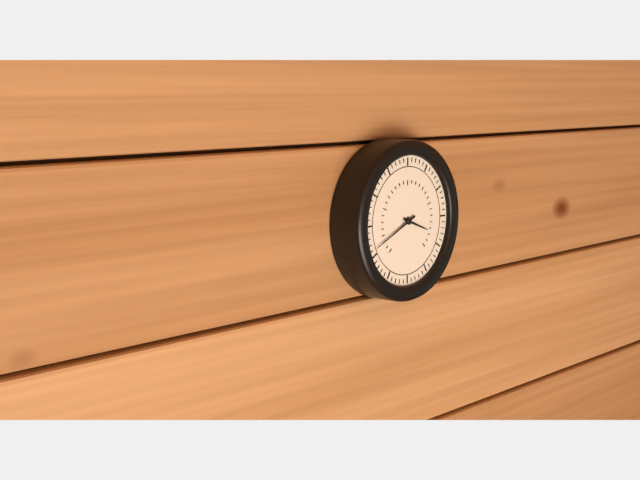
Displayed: **3:41**
